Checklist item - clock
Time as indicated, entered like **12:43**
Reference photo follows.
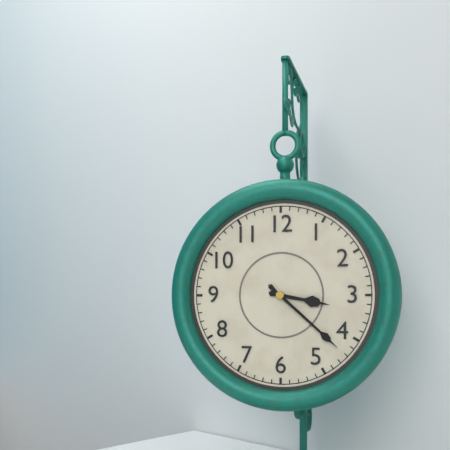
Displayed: **3:22**
